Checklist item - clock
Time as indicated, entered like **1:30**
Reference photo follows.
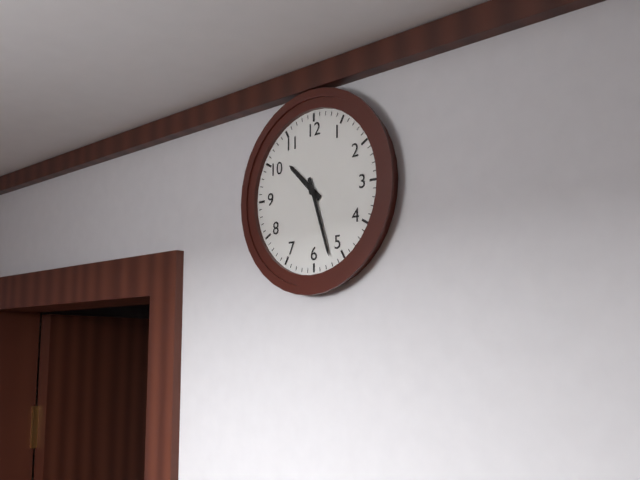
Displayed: **10:27**
